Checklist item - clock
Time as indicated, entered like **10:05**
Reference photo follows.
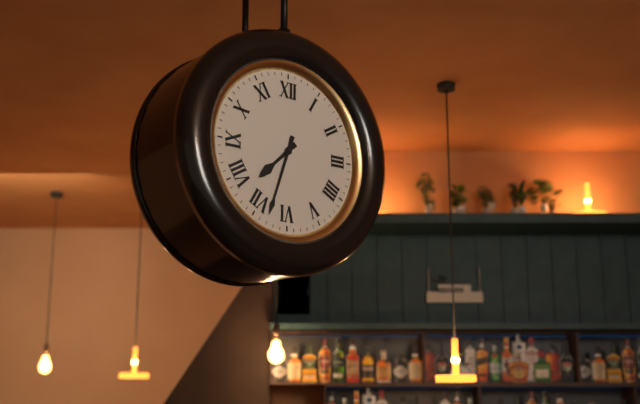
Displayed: **7:33**
